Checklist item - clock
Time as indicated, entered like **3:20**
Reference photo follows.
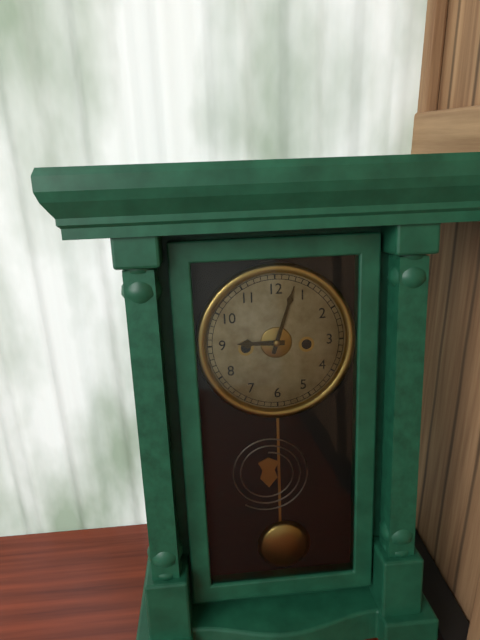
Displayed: **9:03**
